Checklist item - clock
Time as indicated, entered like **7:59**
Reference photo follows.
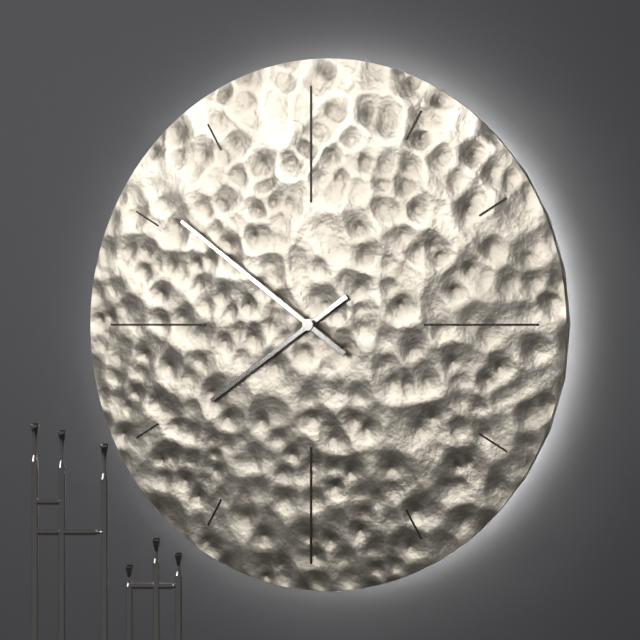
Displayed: **7:51**
